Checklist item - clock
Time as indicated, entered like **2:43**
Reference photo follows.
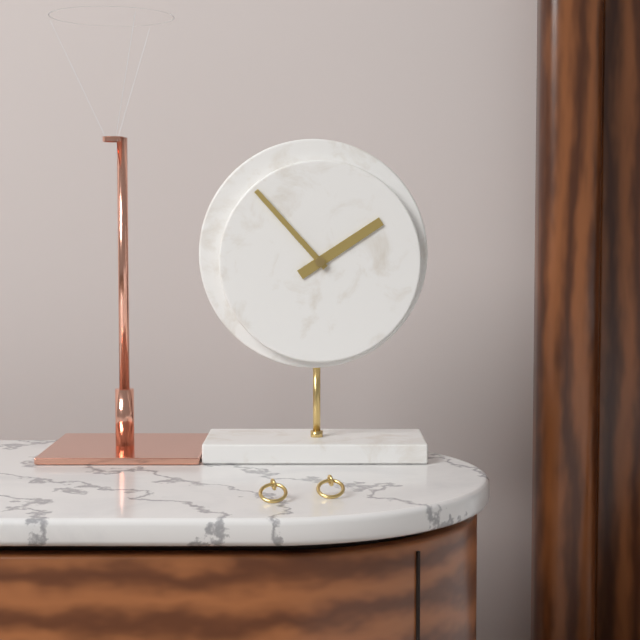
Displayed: **1:53**
